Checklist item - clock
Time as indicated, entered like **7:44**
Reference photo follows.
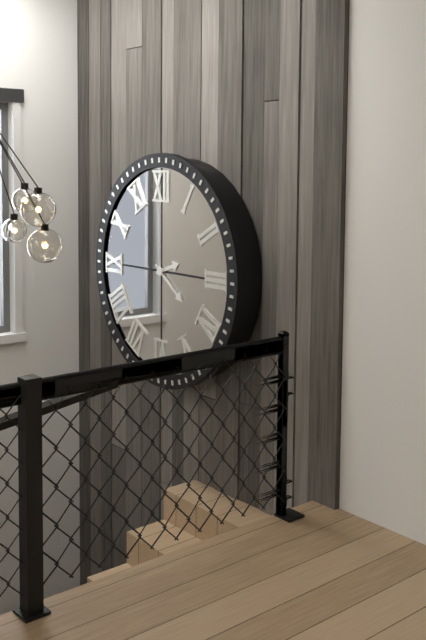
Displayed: **2:21**
